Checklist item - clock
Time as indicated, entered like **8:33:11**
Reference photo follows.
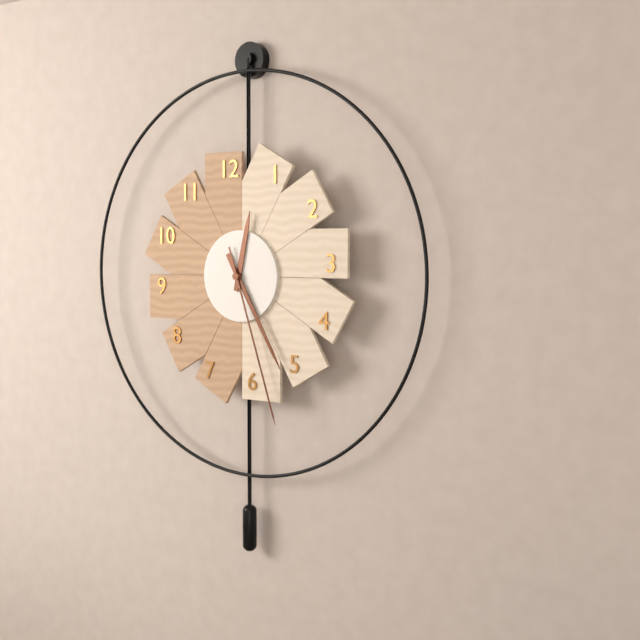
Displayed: **12:25:27**
